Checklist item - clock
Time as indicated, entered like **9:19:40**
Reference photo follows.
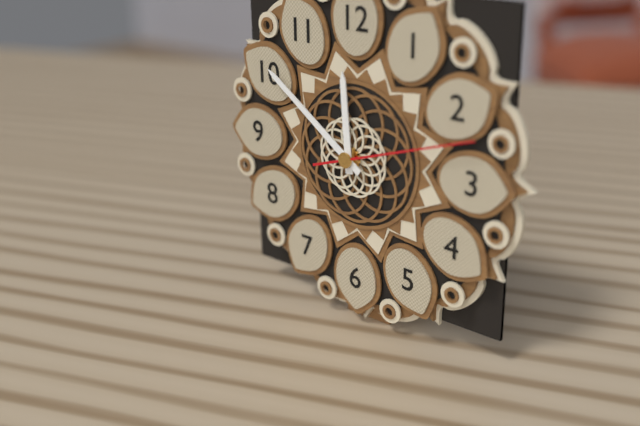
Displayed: **11:51:12**
